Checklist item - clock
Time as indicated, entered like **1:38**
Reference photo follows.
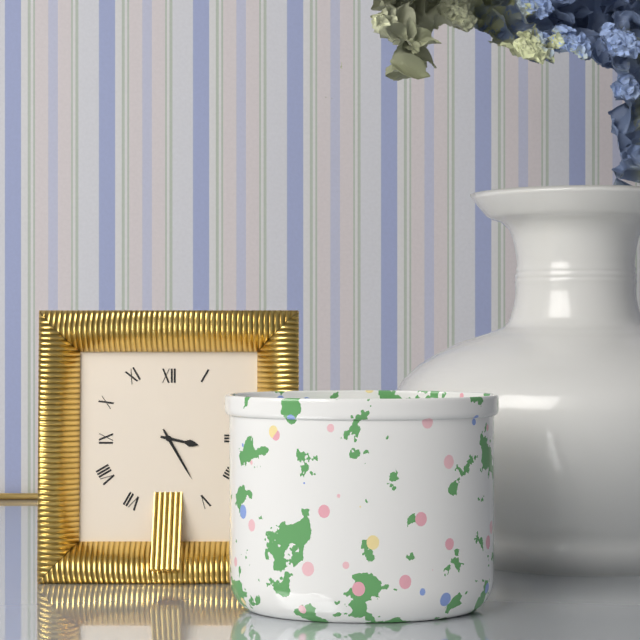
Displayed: **3:25**
